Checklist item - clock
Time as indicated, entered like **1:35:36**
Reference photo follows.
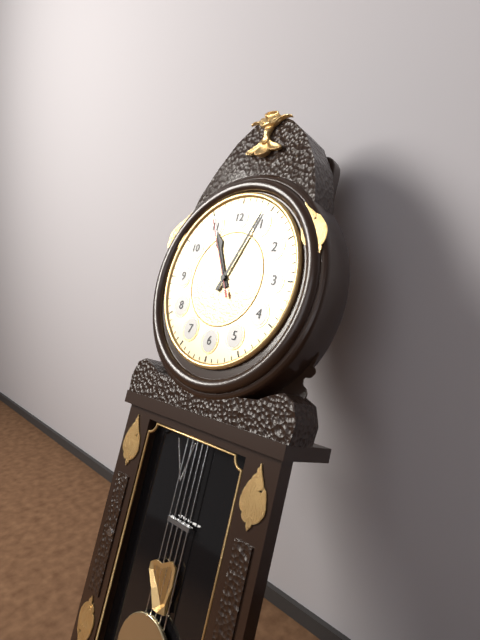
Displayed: **11:04:55**
